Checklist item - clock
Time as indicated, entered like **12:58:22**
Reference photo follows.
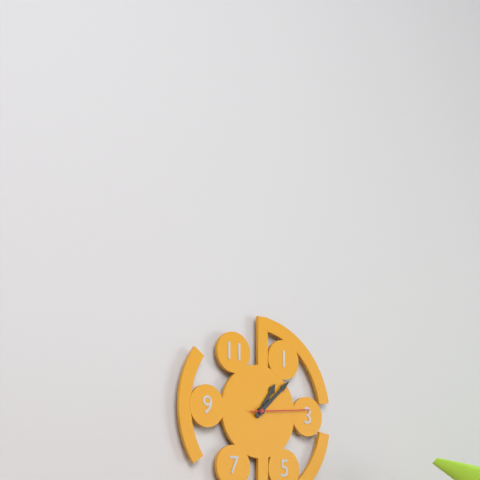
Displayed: **1:08:14**
